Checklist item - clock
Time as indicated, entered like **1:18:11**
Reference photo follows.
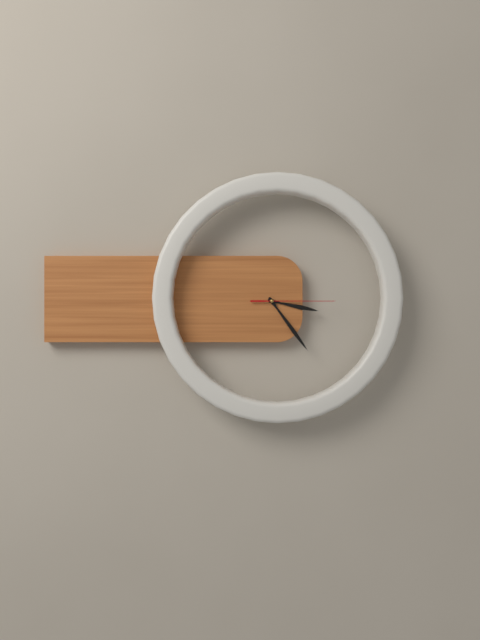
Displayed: **3:24:15**
